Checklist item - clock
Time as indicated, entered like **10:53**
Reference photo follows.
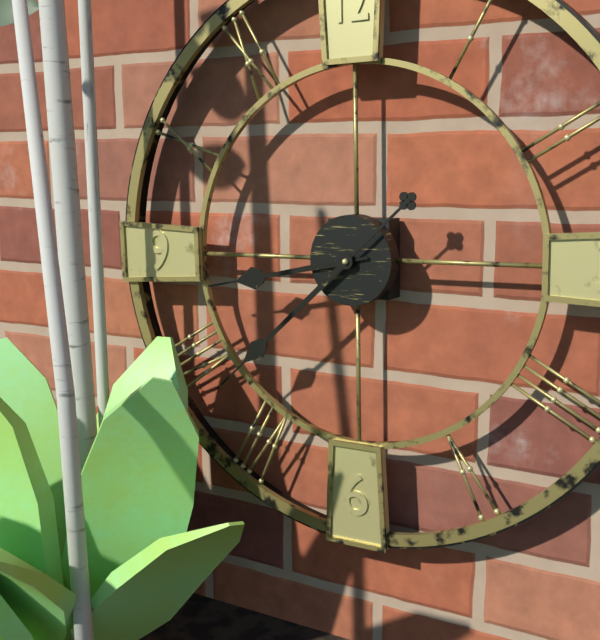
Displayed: **8:38**
